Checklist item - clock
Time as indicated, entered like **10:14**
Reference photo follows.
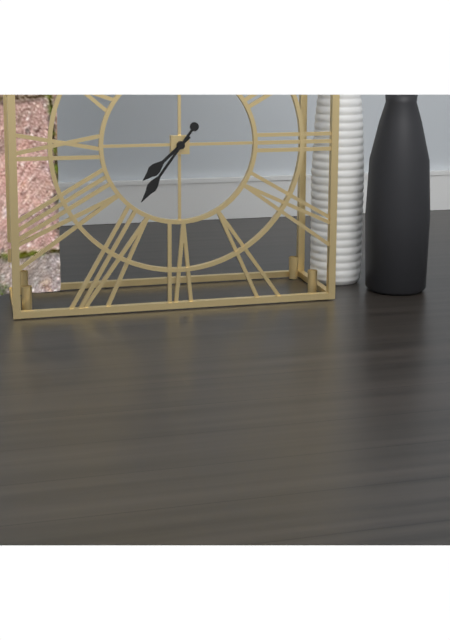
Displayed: **7:36**
